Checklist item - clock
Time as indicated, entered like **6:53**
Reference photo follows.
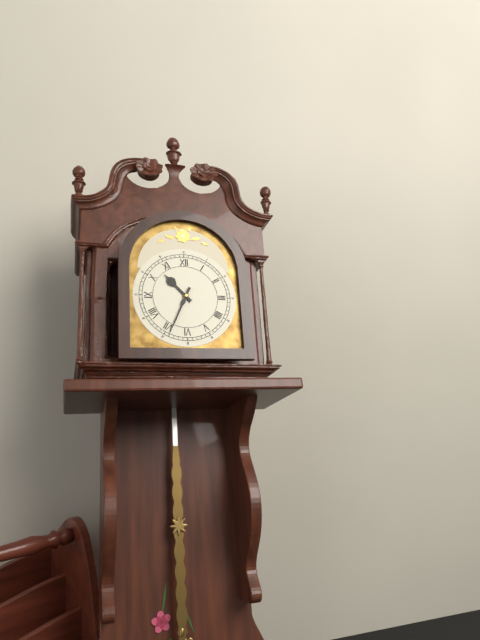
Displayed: **10:34**
